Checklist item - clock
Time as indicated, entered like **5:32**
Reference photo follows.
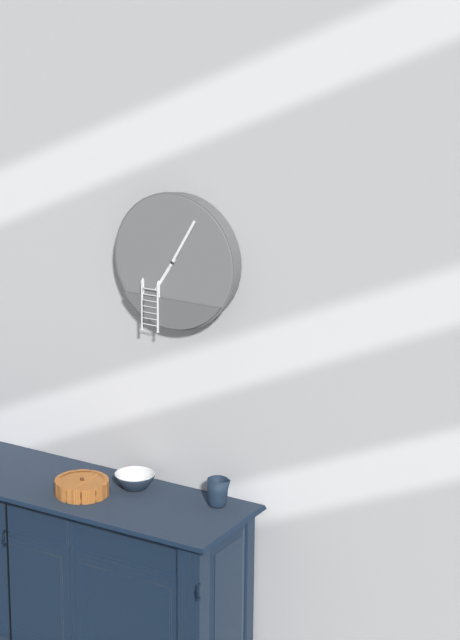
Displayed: **7:05**
